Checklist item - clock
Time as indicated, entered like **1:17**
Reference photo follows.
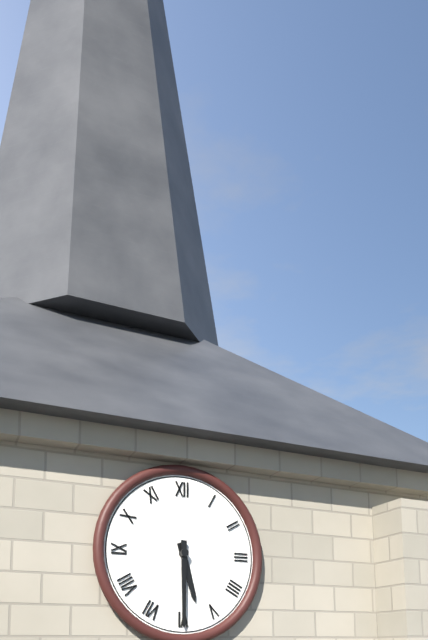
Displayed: **5:30**
